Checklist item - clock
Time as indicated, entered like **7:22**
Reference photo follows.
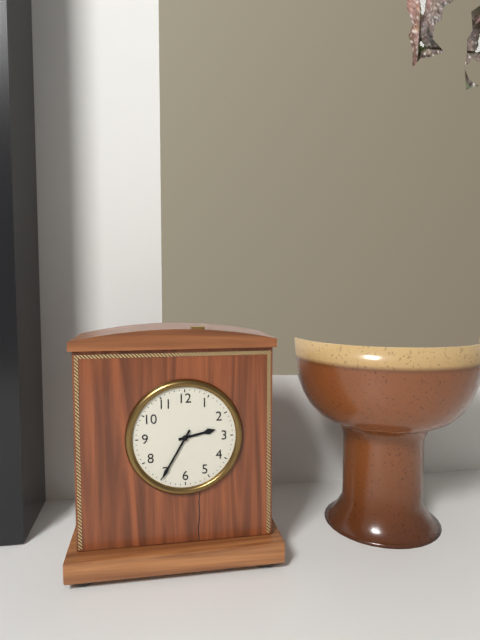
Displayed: **2:35**
